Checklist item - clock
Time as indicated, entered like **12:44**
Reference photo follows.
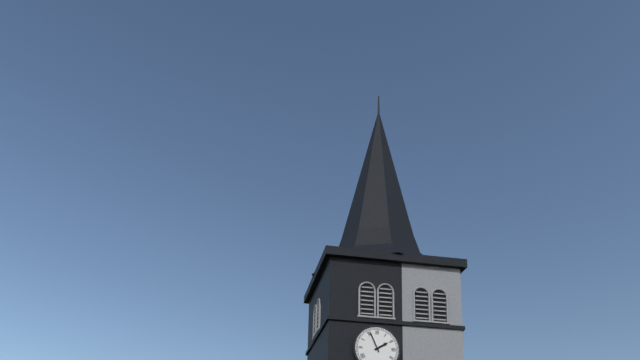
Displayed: **1:56**
